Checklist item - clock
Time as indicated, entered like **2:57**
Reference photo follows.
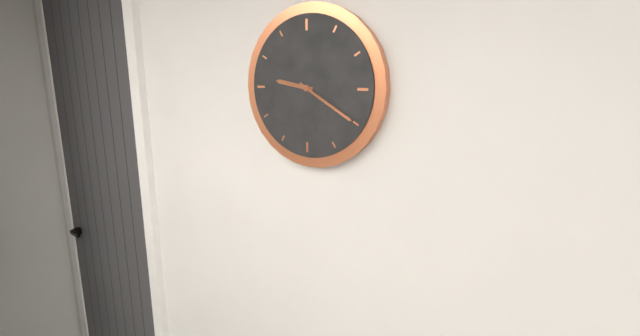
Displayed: **9:20**
